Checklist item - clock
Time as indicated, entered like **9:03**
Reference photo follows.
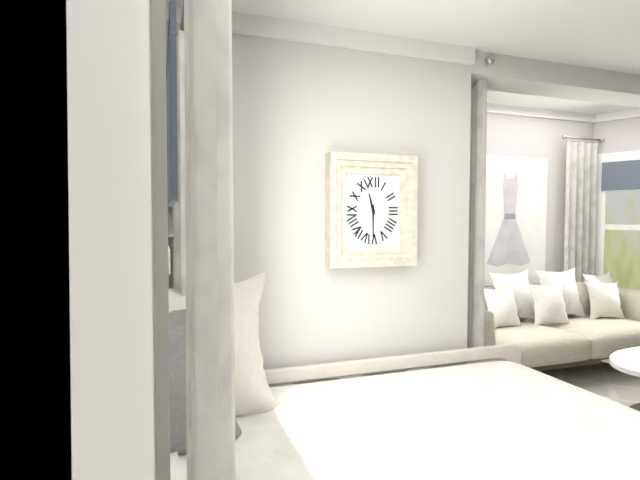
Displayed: **11:30**
